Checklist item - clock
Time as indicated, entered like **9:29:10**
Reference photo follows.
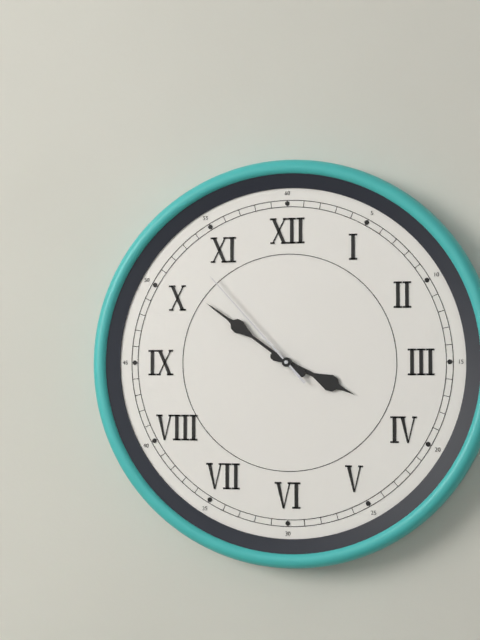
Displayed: **3:51:53**
